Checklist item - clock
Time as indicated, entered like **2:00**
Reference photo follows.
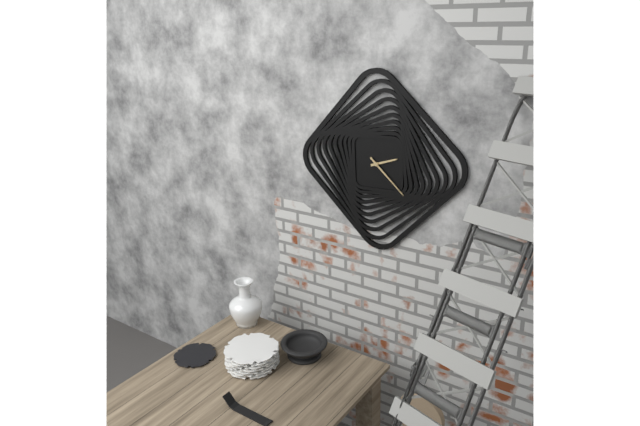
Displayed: **2:22**
